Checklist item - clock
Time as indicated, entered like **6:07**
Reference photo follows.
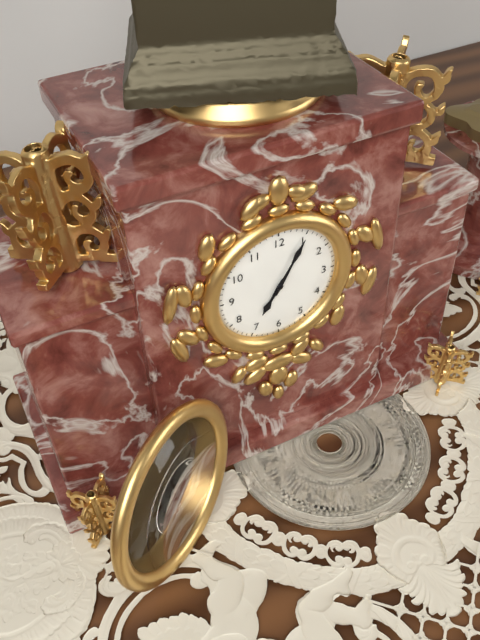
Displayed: **7:05**
